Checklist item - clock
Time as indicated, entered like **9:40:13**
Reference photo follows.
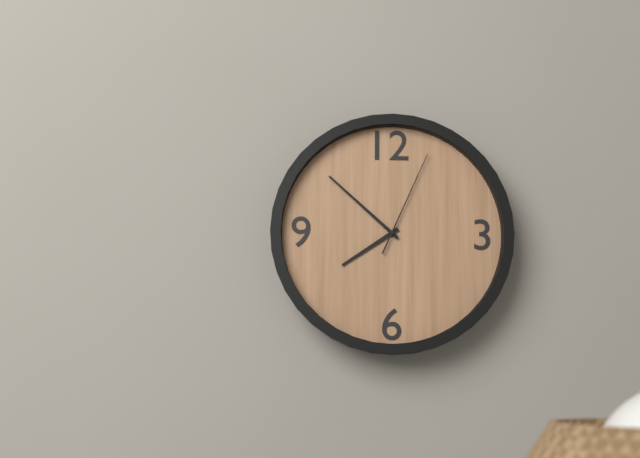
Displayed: **7:52:04**
